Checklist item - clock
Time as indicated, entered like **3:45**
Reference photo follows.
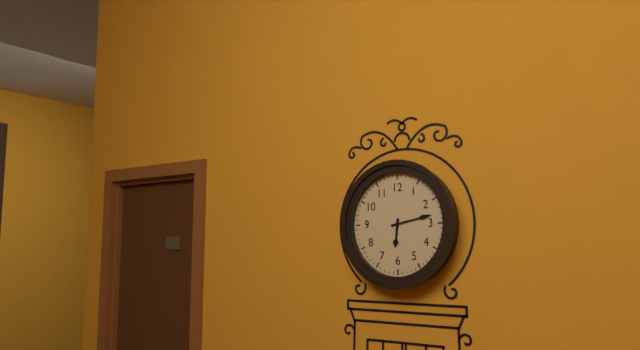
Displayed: **6:13**
